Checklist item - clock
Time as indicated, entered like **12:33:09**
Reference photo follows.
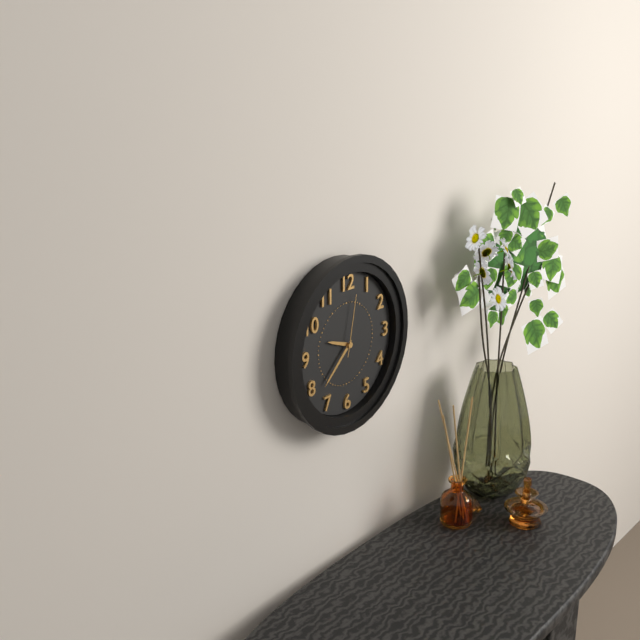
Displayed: **9:38:02**
